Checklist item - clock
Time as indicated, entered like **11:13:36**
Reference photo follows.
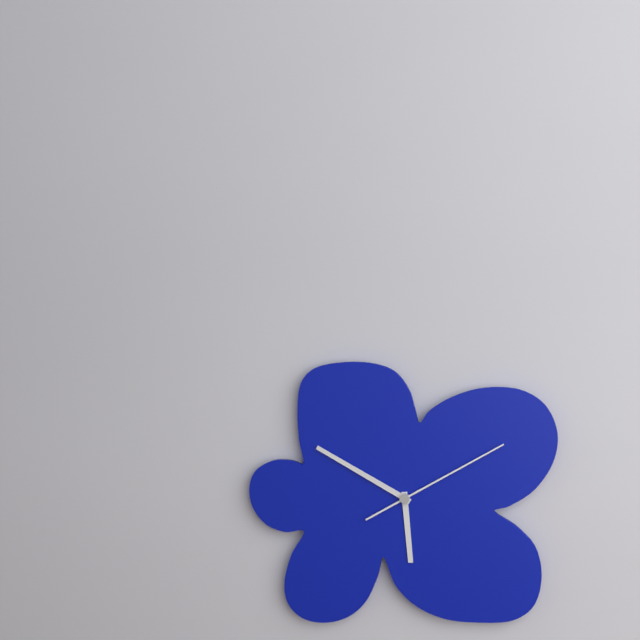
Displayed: **5:50:10**
